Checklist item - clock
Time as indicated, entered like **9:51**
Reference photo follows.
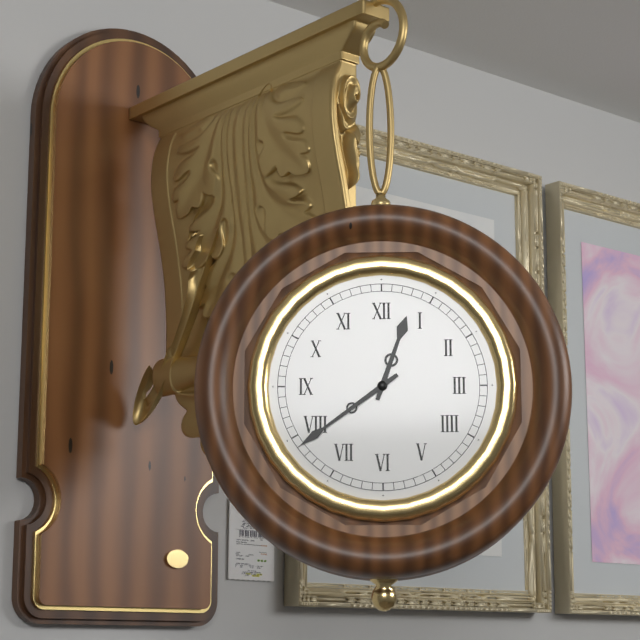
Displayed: **12:39**
